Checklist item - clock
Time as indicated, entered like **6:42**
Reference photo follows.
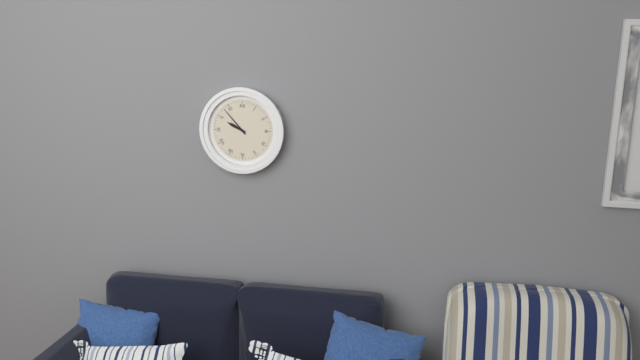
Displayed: **9:53**
